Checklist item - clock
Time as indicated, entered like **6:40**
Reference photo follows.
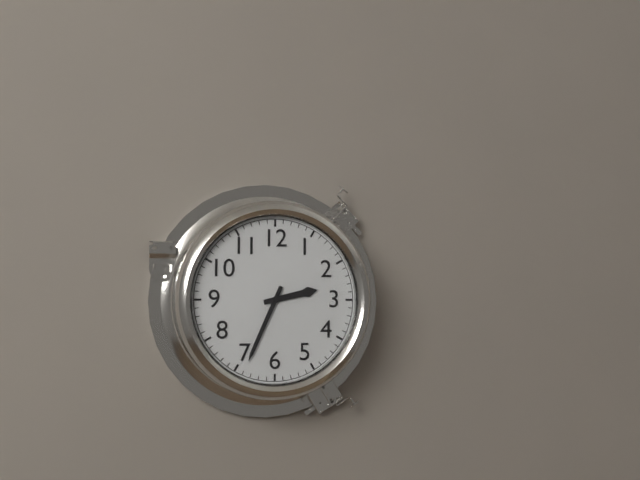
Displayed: **2:34**
